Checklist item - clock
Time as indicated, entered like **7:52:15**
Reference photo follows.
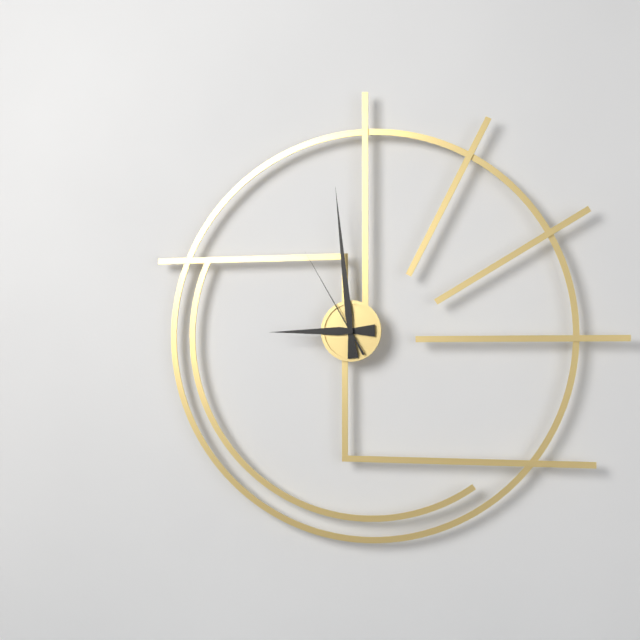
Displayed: **8:59:55**
